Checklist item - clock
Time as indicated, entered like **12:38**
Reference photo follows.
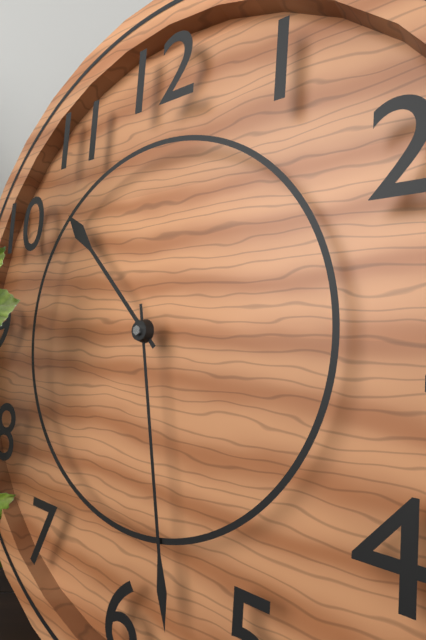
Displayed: **10:28**
